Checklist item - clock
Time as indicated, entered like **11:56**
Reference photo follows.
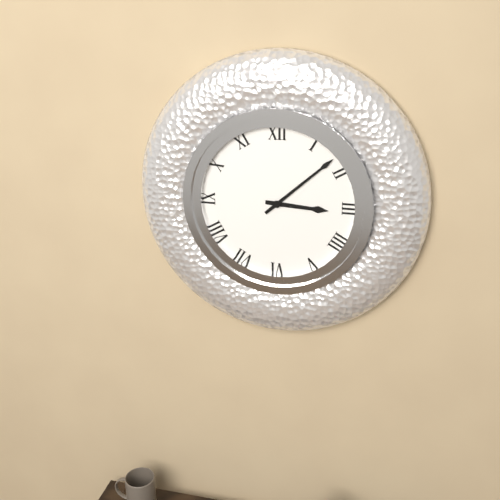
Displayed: **3:08**
